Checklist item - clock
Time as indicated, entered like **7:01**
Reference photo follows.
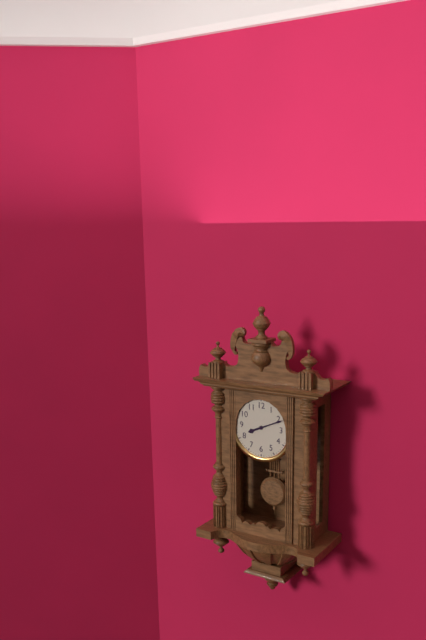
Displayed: **8:11**
